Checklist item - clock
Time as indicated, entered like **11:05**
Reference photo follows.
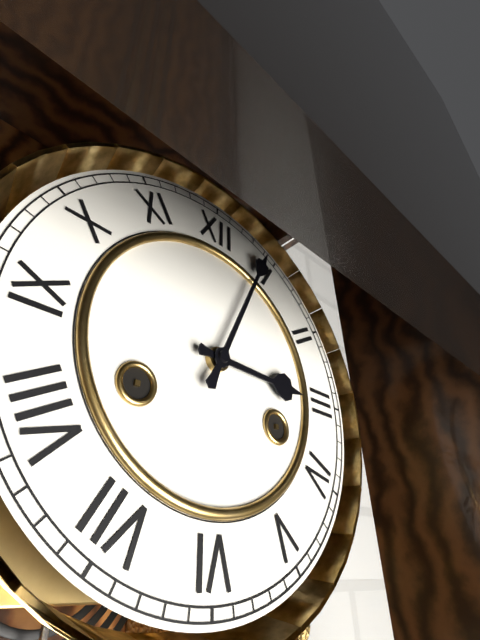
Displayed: **3:04**
